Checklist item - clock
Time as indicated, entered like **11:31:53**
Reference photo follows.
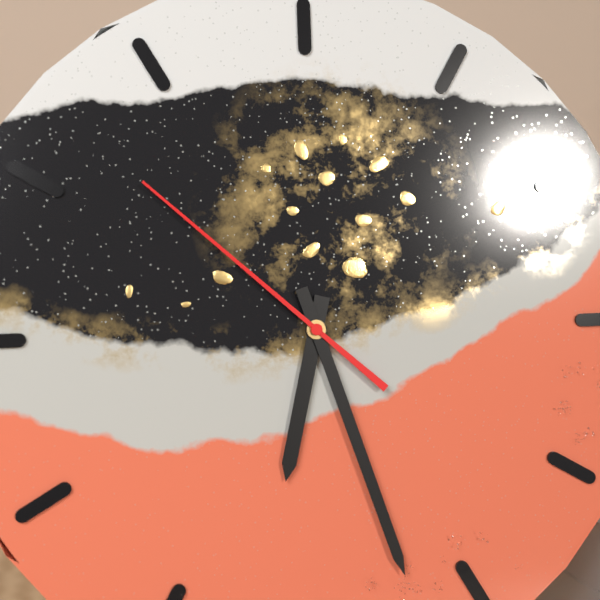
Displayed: **6:27:52**
